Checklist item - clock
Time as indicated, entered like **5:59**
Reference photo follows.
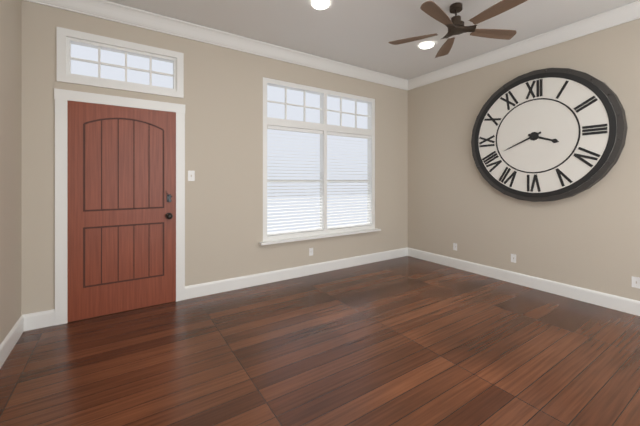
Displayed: **3:41**
